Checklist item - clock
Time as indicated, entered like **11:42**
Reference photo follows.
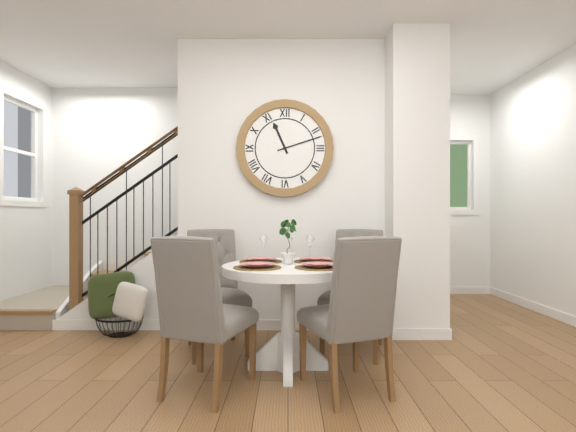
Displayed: **11:12**
